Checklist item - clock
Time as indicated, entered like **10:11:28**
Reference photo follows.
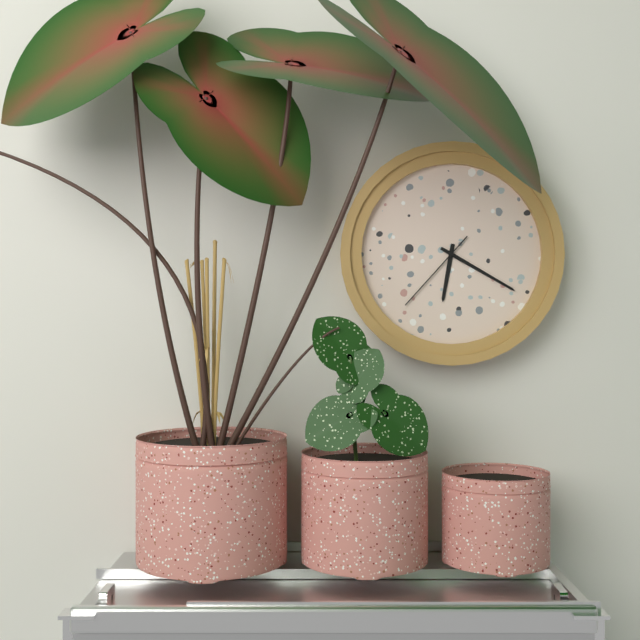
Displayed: **6:20:37**
